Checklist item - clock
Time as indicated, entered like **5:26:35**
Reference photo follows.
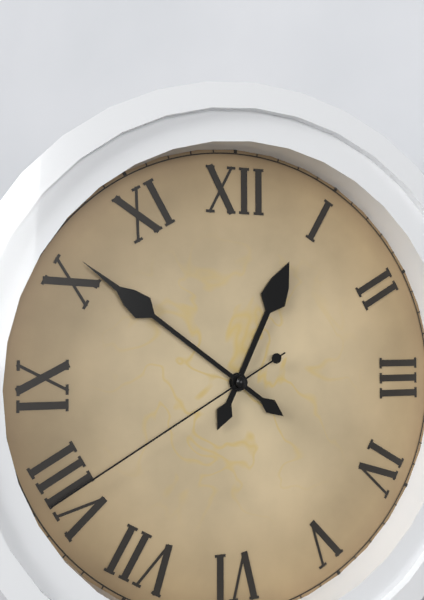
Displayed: **12:51:40**
